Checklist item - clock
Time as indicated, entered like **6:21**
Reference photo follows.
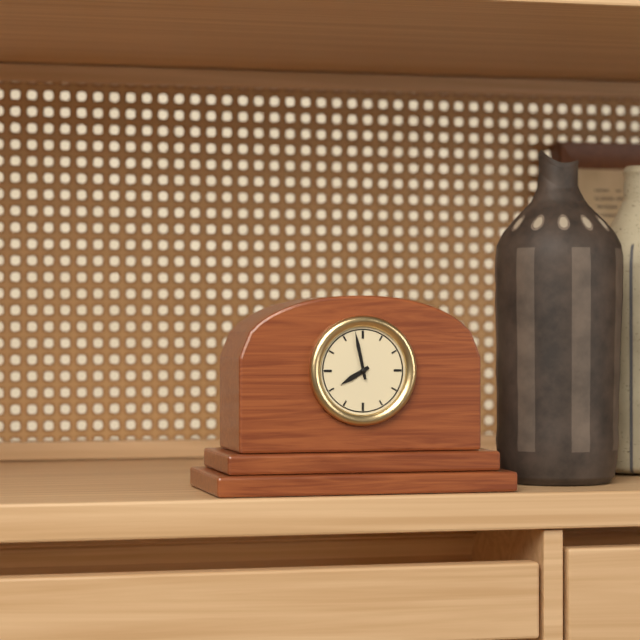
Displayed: **7:58**
